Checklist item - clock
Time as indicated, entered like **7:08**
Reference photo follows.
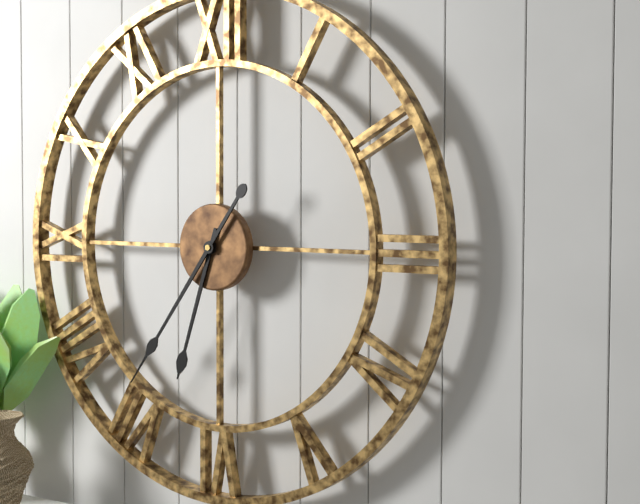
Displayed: **6:36**
